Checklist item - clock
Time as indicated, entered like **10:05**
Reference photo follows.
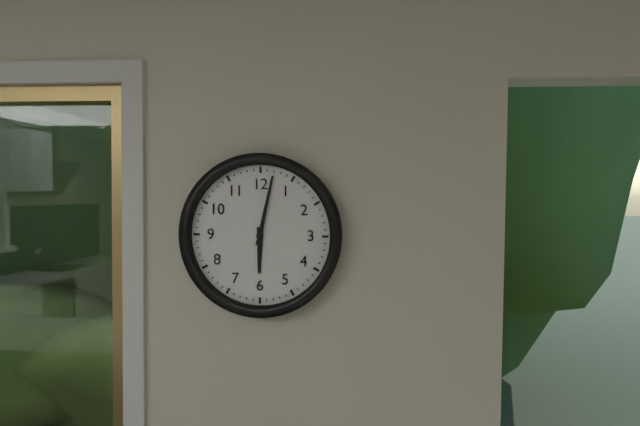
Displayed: **6:02**
